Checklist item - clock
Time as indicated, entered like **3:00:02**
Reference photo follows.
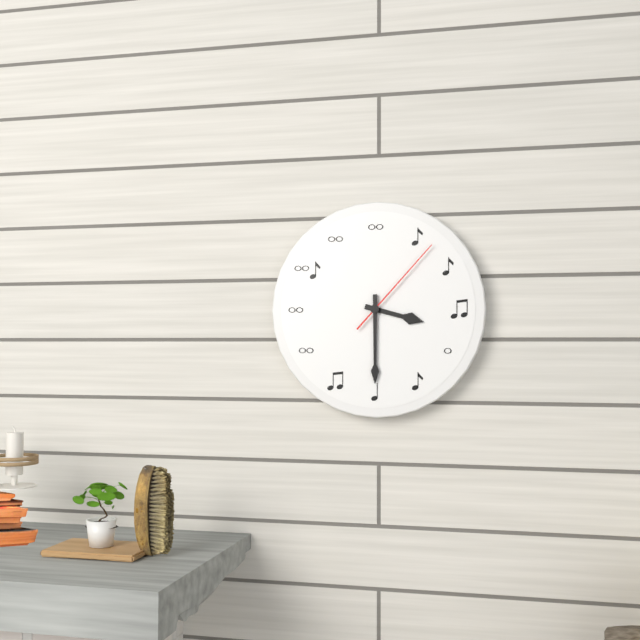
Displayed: **3:30:07**
